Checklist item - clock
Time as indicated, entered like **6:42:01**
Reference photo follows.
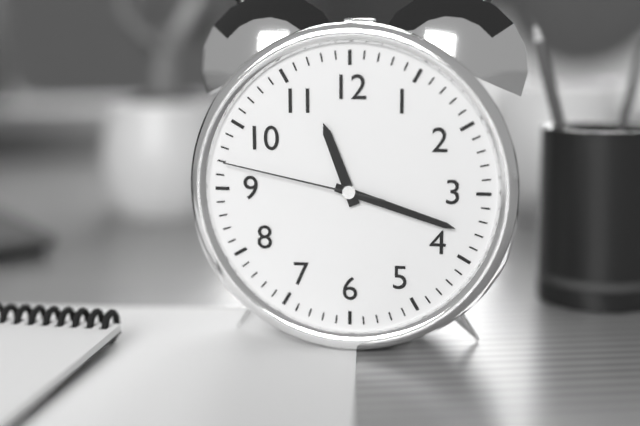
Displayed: **11:18:47**
